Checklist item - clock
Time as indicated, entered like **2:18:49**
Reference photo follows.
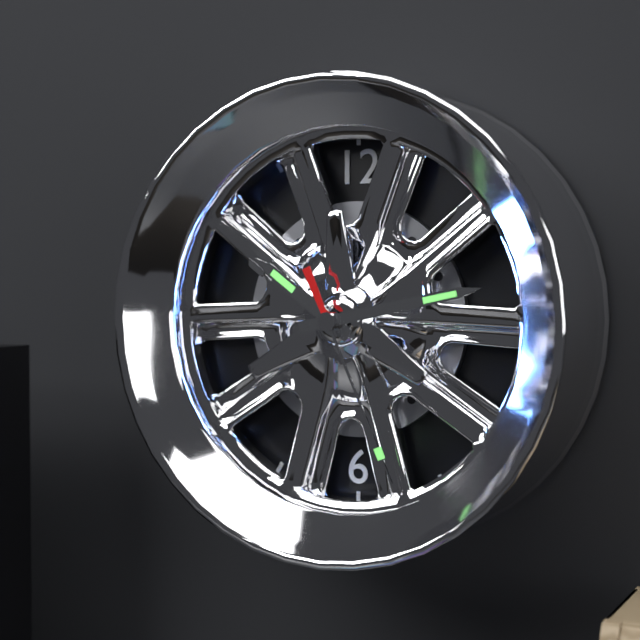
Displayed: **10:13:26**
